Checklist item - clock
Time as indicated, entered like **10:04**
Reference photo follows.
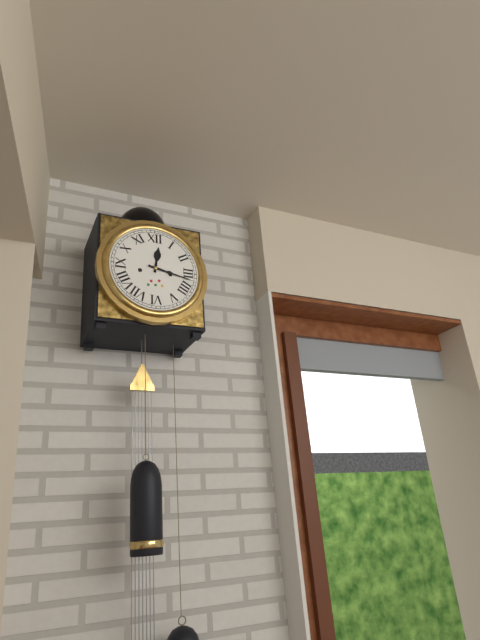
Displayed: **12:17**
